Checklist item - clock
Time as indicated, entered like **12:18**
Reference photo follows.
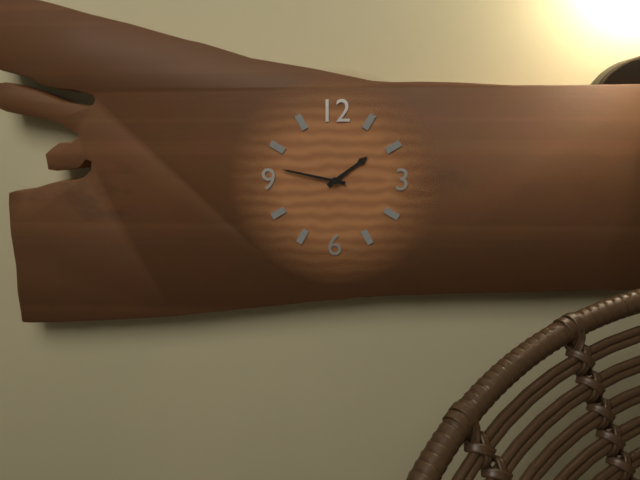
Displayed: **1:47**
